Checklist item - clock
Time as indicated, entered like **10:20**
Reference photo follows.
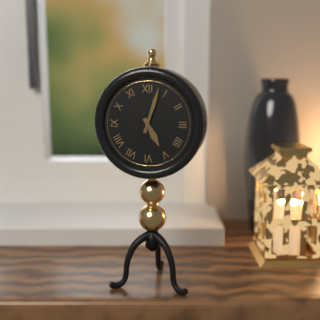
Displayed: **5:03**
